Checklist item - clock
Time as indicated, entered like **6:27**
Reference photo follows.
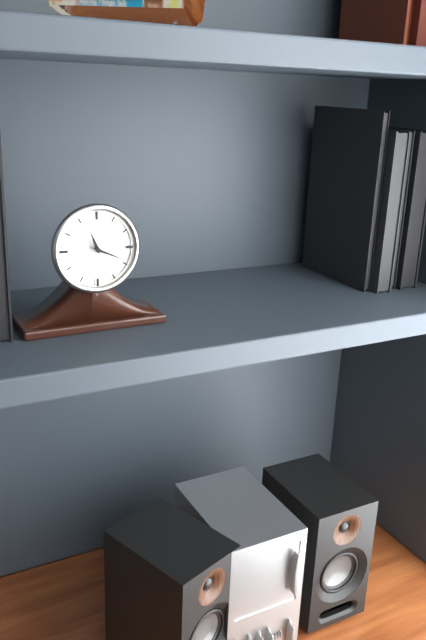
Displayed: **11:19**
